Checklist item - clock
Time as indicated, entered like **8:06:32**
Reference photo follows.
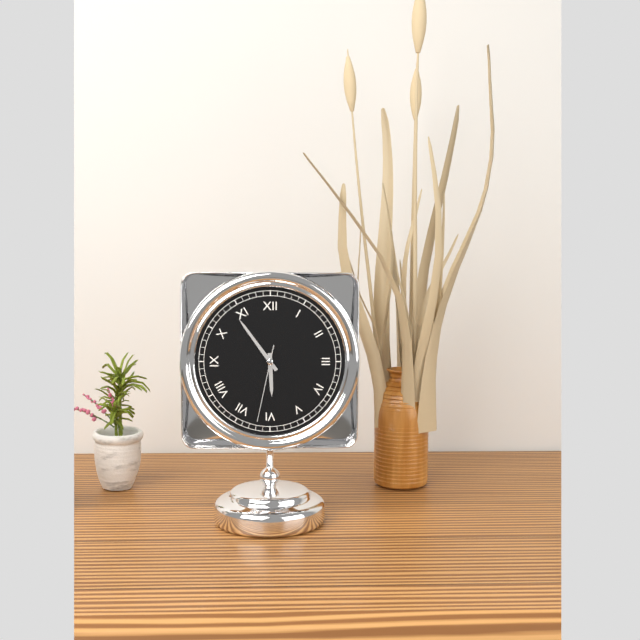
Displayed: **5:54:32**
